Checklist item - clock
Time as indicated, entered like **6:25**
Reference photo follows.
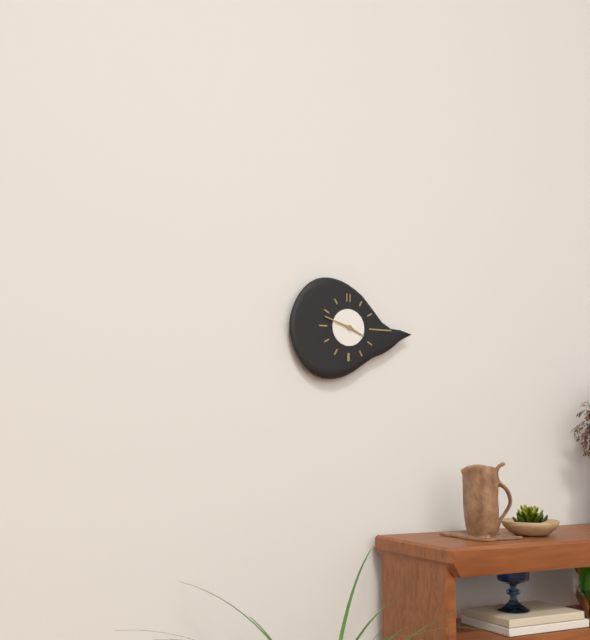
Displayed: **3:48**
